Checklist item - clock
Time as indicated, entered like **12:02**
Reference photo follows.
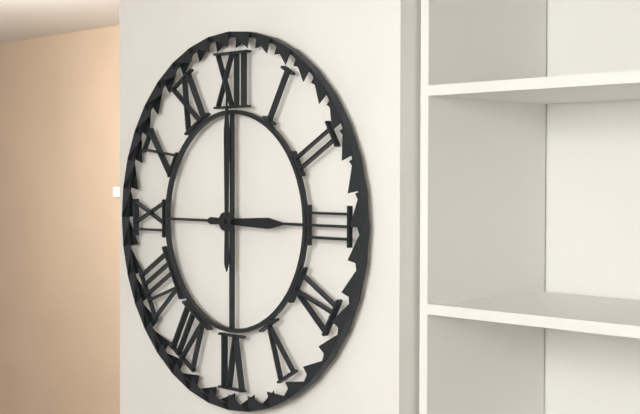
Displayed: **3:00**
